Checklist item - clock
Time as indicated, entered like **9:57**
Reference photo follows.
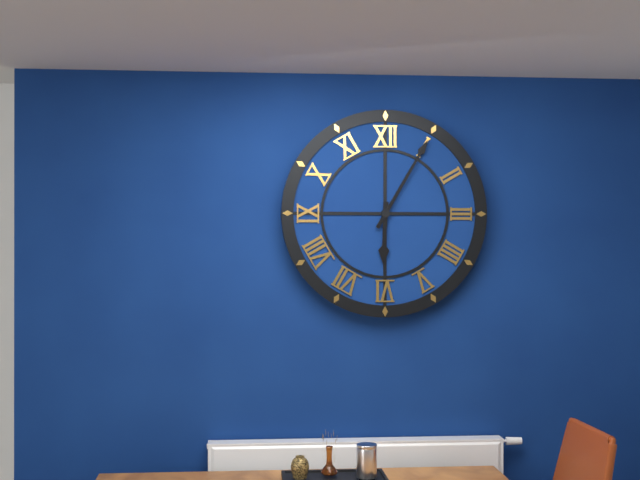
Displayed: **6:05**
